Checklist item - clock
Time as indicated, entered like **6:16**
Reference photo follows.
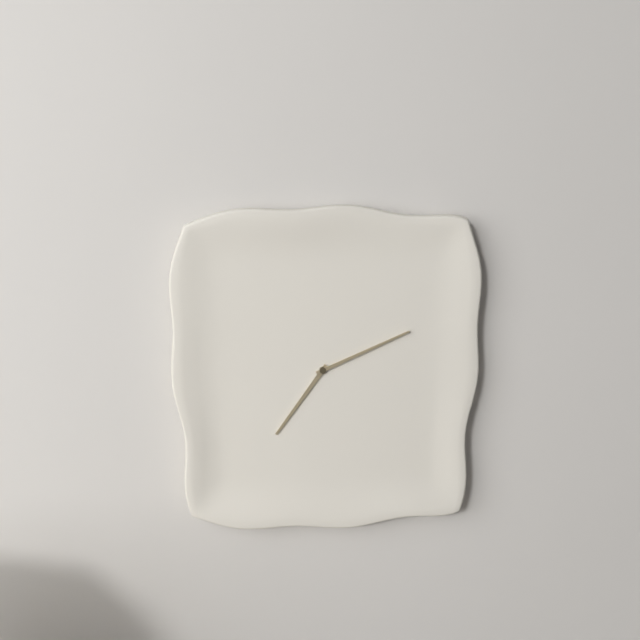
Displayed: **7:11**
